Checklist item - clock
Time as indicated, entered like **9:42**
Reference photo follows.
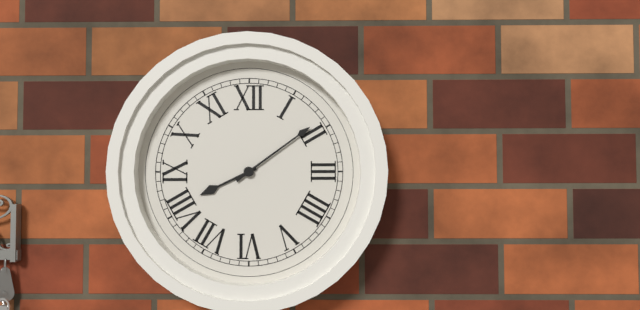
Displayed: **8:09**
